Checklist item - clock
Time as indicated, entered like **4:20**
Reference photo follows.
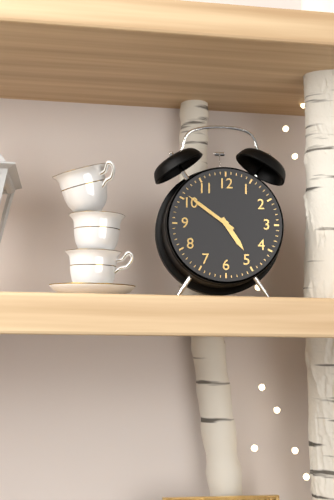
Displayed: **4:51**
